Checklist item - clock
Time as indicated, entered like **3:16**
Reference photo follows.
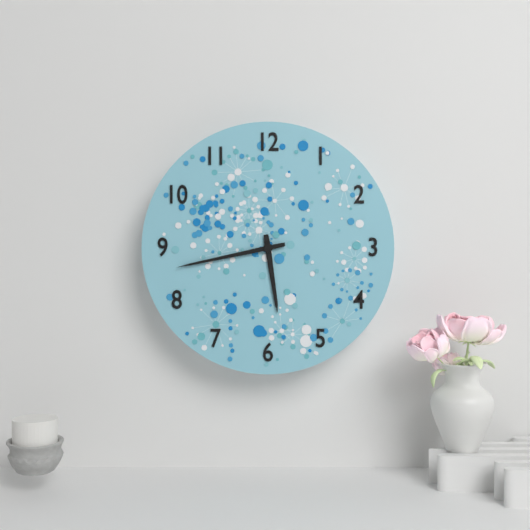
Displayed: **5:43**
